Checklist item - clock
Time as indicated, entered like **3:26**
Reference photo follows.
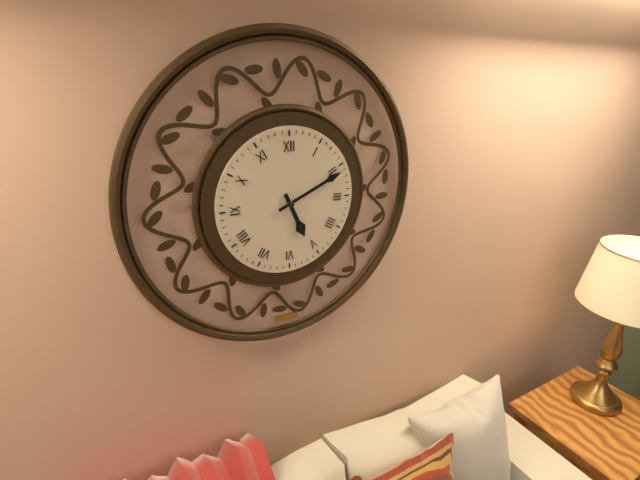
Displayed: **5:11**
